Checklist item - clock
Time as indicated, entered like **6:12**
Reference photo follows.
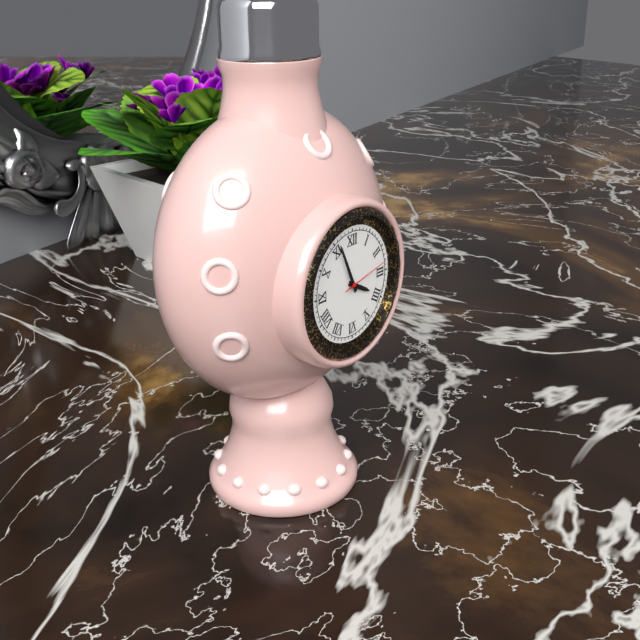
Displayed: **3:56**
